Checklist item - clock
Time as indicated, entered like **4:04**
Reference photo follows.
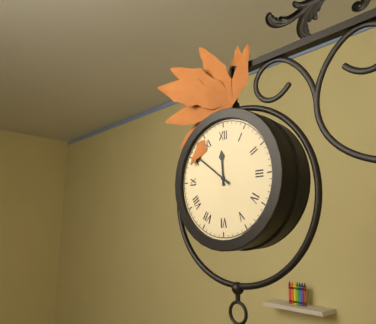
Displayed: **11:51**
